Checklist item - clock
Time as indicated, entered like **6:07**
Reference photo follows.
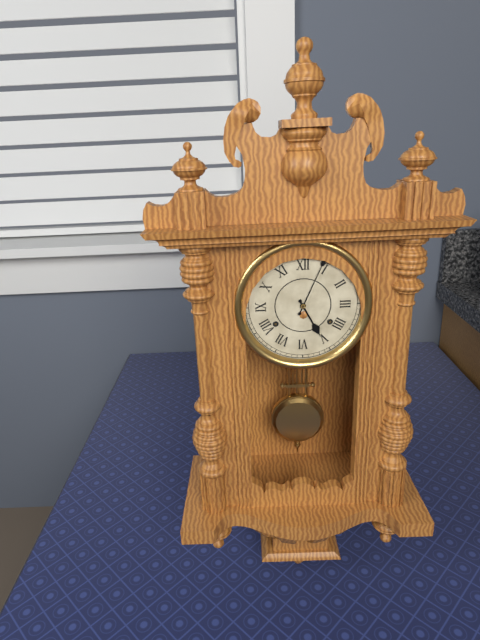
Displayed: **5:04**
